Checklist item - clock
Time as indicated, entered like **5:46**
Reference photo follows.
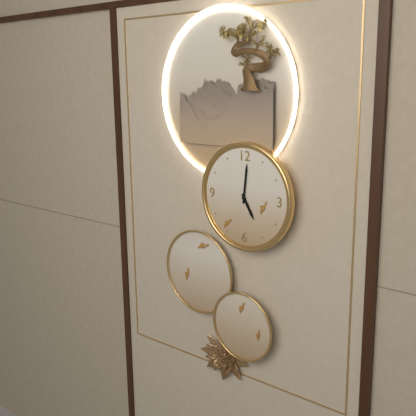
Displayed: **5:01**
